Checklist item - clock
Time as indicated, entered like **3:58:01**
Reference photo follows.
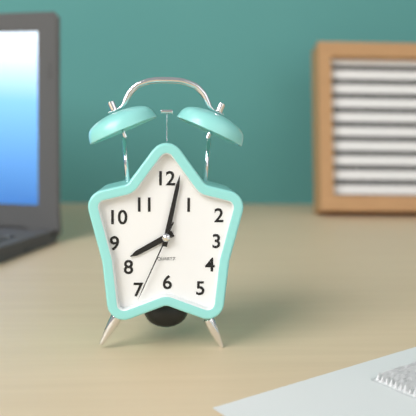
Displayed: **8:02:34**
